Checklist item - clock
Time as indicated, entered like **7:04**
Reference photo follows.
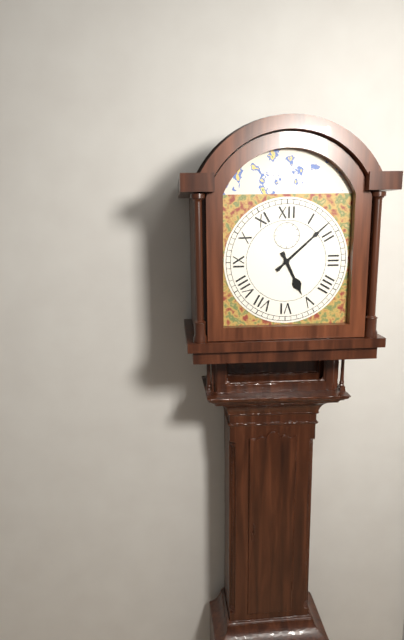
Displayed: **5:08**
